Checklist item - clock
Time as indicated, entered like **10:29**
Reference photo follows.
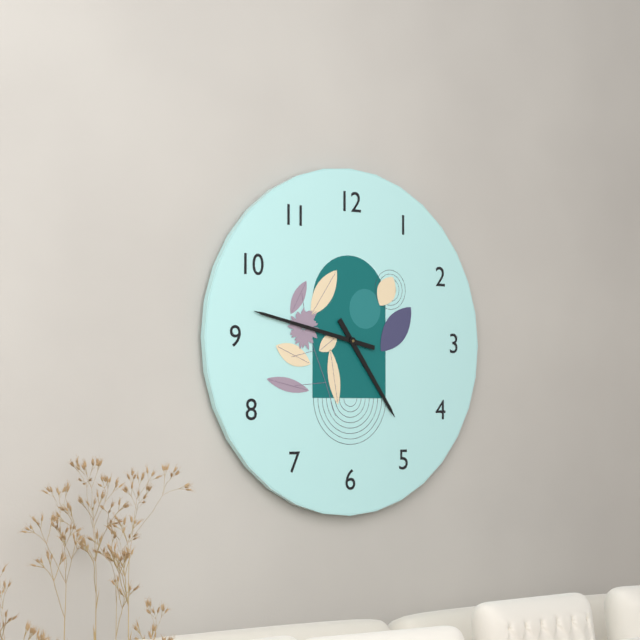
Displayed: **4:47**
